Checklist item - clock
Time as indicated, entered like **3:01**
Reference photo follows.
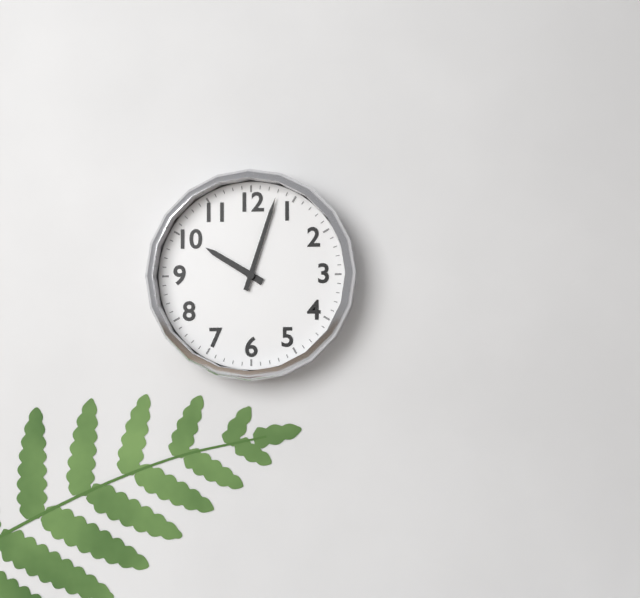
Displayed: **10:03**
